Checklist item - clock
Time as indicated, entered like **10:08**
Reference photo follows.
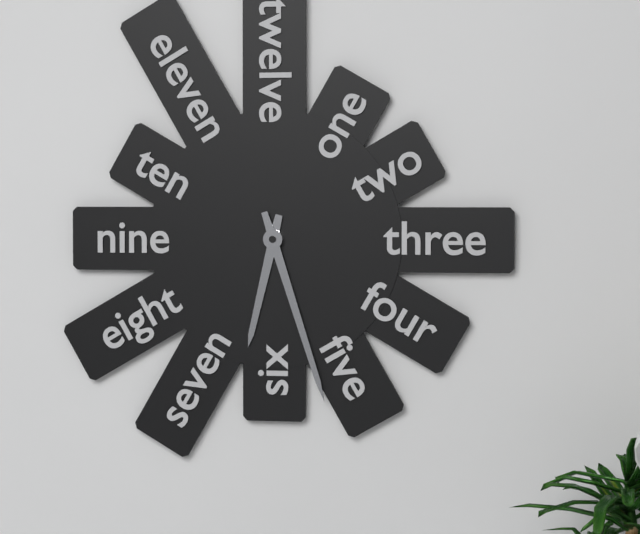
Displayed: **6:27**
